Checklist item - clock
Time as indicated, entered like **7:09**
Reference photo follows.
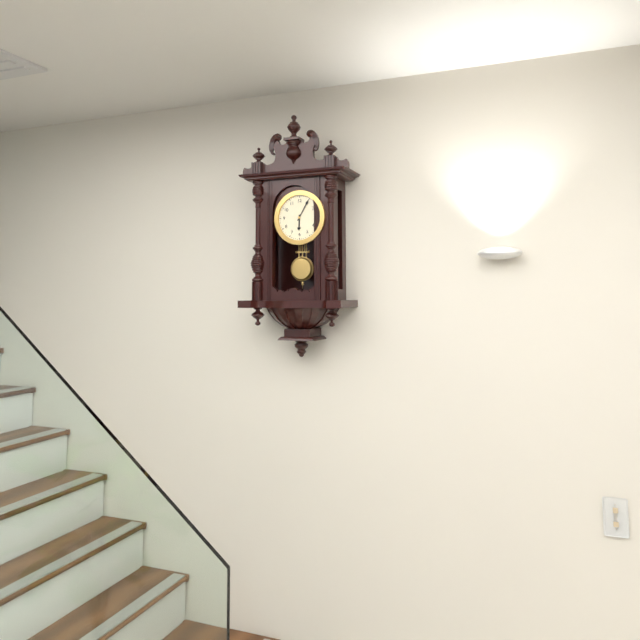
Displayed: **6:05**
